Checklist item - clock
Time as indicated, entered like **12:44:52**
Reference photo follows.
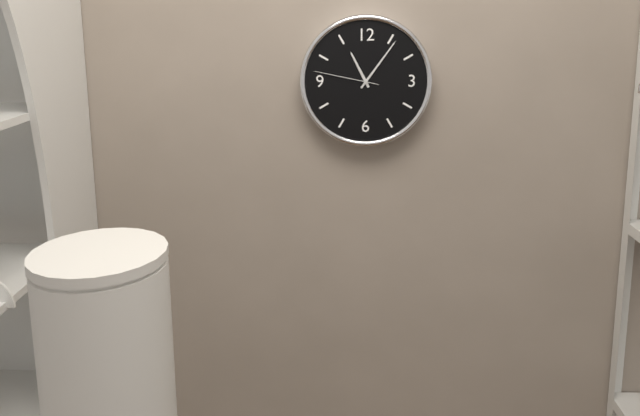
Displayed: **11:06:47**
